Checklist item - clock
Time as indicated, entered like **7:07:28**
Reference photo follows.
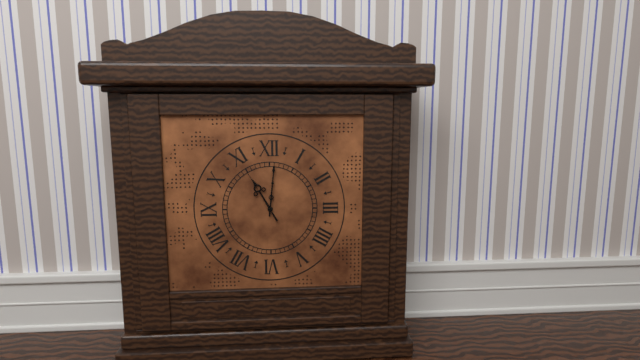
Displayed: **11:01:55**
